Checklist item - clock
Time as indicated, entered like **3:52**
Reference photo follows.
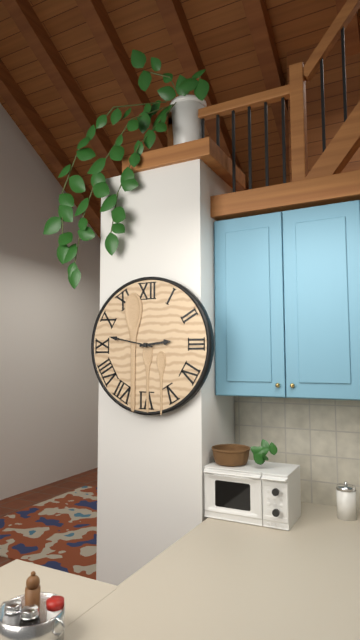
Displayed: **2:47**
